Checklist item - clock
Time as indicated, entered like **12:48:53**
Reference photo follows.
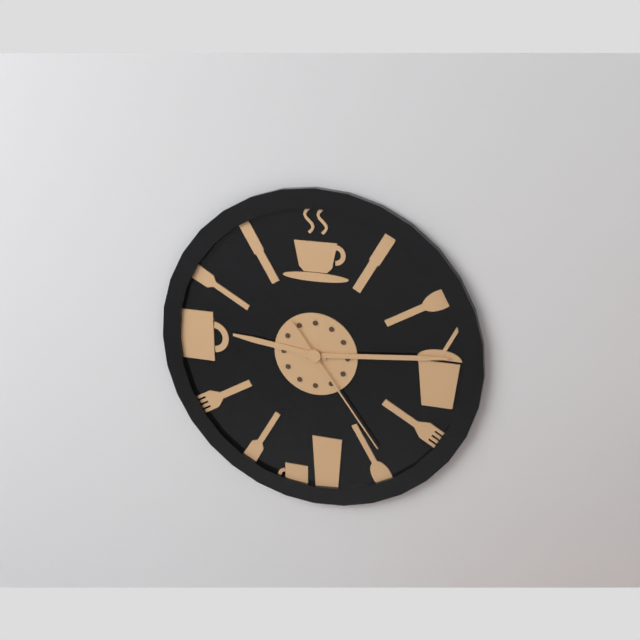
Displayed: **9:14:24**
